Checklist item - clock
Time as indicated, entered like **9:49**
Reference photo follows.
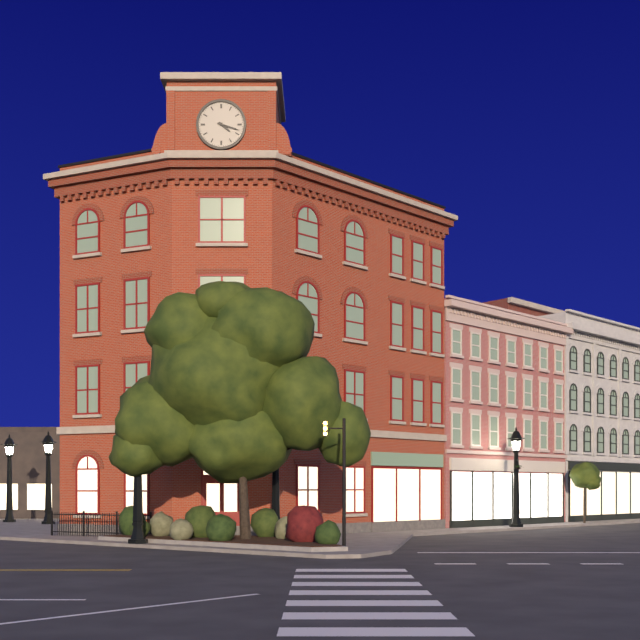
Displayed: **4:18**
